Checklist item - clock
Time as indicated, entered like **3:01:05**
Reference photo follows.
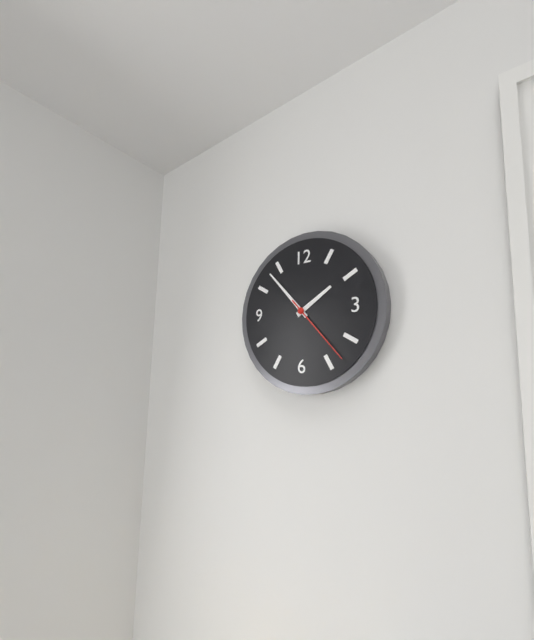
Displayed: **1:53:23**
